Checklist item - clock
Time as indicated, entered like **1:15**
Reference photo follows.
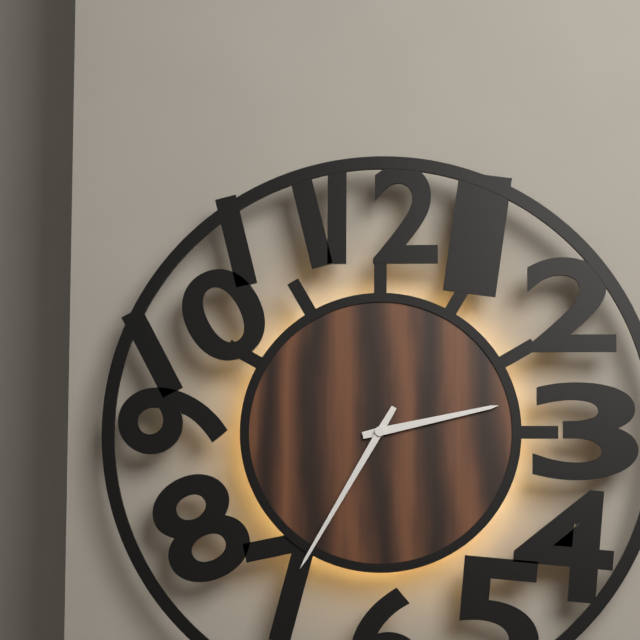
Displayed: **2:35**
